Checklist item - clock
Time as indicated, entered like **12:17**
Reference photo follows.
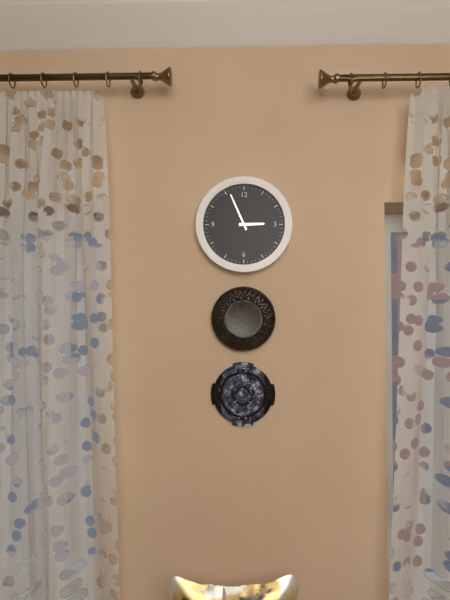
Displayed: **2:56**
